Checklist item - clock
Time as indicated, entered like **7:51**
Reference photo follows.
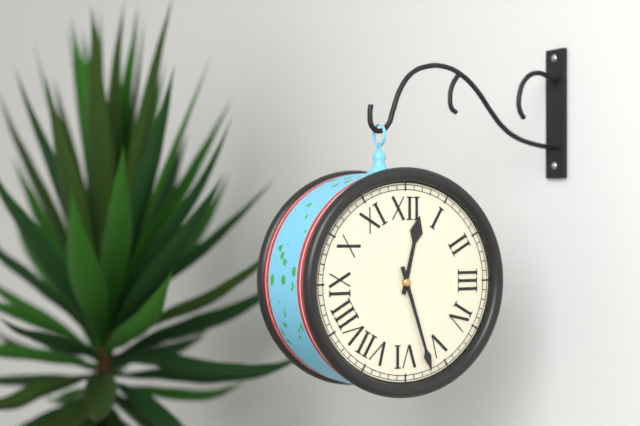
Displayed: **12:27**
